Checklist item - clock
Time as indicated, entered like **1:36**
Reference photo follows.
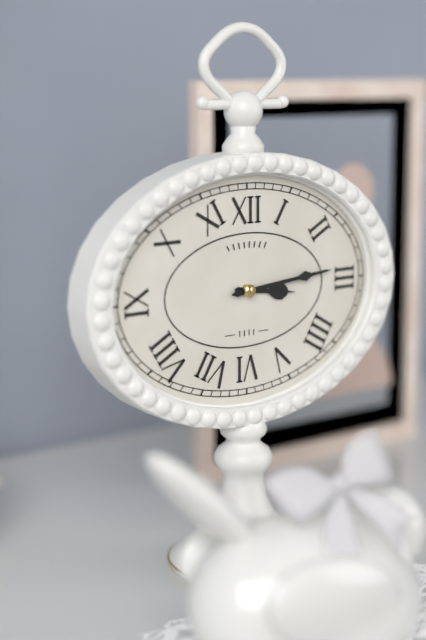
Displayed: **3:14**
